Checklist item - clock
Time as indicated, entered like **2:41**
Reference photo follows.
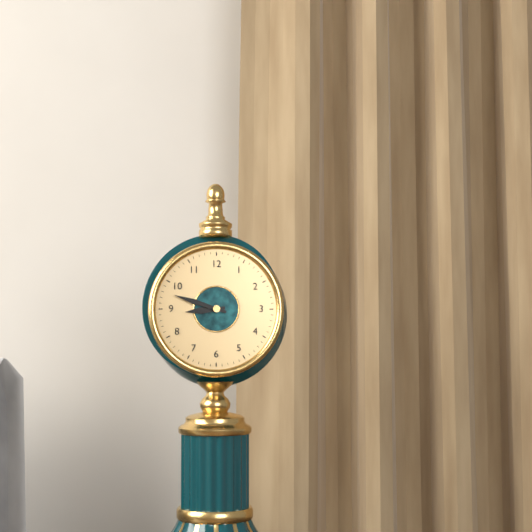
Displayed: **8:48**
